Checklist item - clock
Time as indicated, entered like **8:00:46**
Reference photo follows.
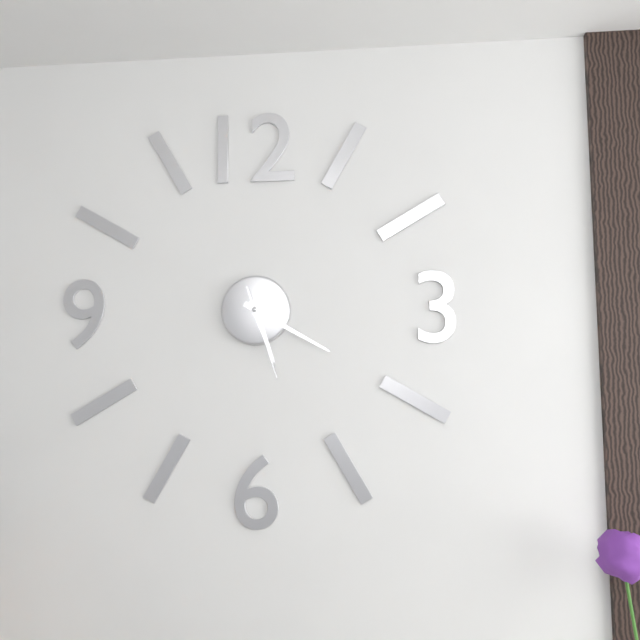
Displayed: **5:20:27**
